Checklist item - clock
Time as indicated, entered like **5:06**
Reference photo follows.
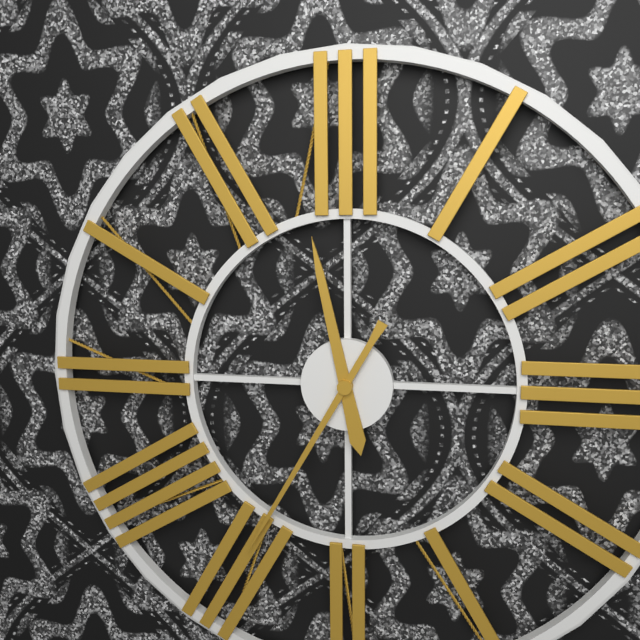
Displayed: **11:35**
